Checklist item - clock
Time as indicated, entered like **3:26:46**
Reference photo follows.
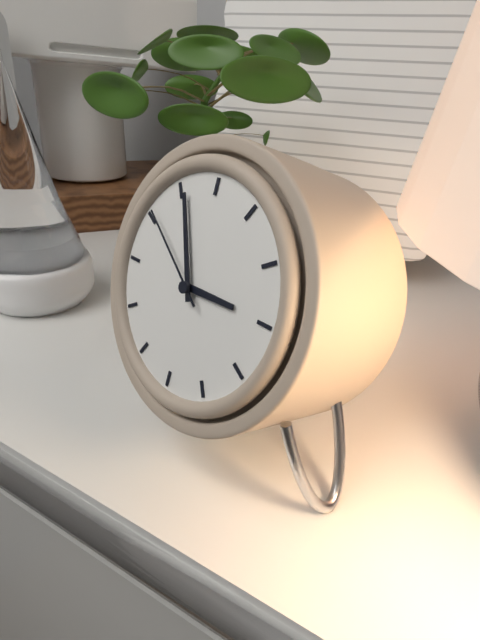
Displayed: **2:56:51**
